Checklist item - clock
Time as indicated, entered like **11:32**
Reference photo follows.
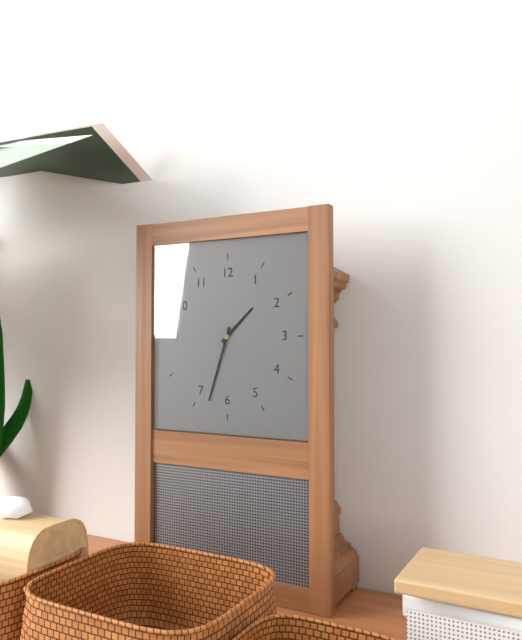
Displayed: **1:33**
